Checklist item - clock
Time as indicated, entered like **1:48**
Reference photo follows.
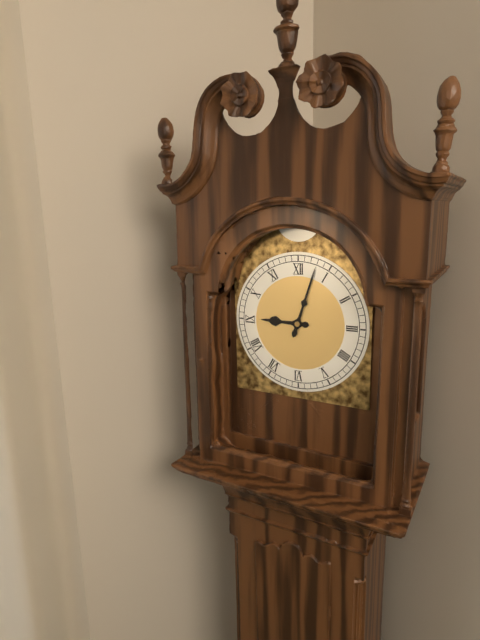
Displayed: **9:03**
